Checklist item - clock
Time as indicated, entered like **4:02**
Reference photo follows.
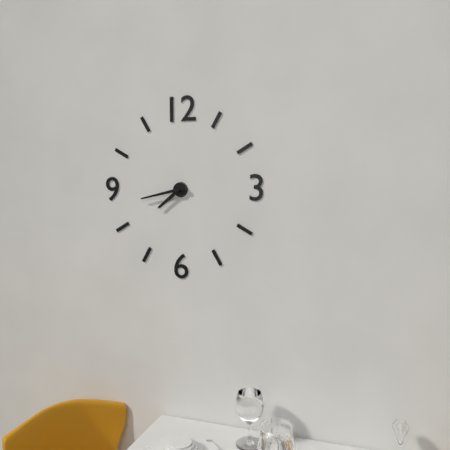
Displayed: **7:43**
